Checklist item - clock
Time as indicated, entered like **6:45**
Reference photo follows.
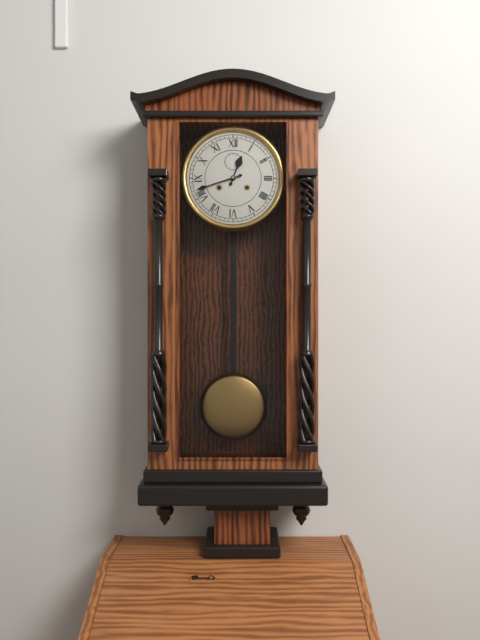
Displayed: **12:42**
